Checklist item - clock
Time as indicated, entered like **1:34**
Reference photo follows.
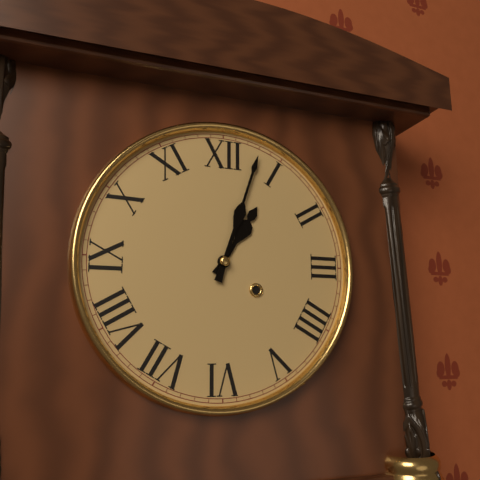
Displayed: **1:03**
